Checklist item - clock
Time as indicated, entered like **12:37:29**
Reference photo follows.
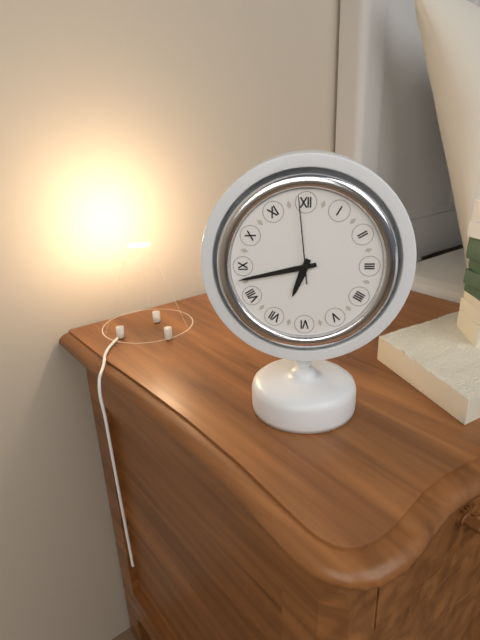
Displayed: **6:43:59**
